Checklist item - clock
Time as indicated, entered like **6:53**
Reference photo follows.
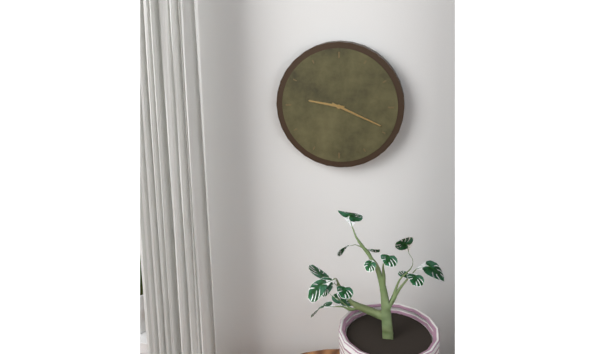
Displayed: **9:19**
